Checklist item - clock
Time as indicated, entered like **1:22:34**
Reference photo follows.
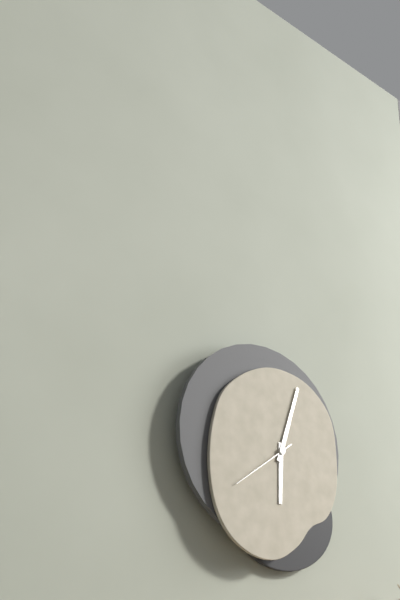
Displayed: **6:03:39**
